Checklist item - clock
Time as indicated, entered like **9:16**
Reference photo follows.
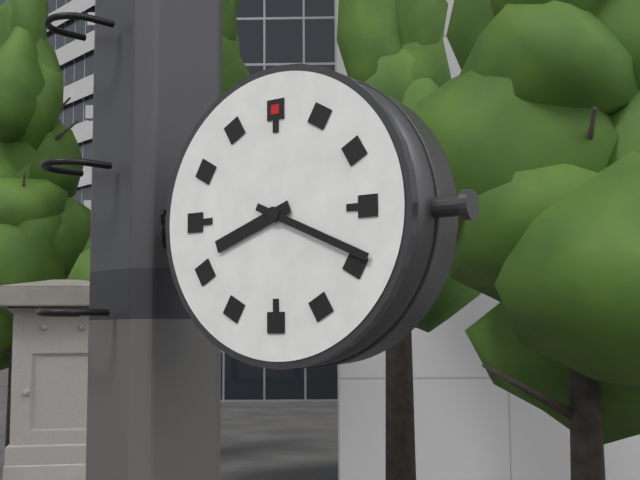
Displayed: **8:19**
